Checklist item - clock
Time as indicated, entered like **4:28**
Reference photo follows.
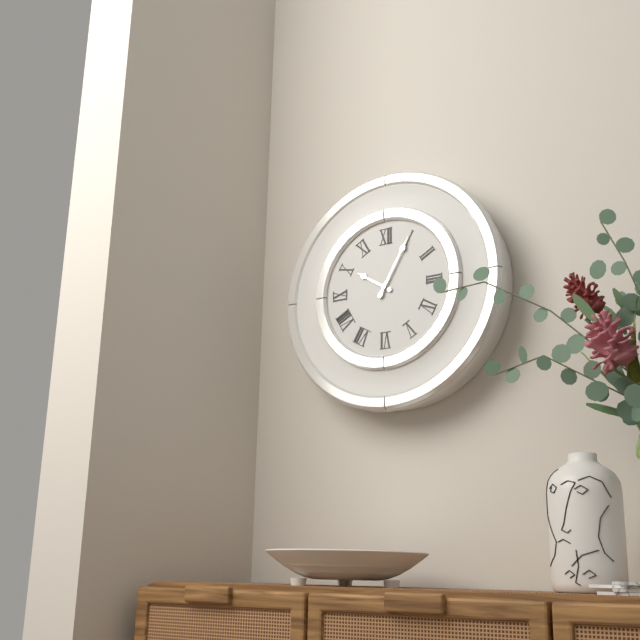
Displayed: **10:05**
